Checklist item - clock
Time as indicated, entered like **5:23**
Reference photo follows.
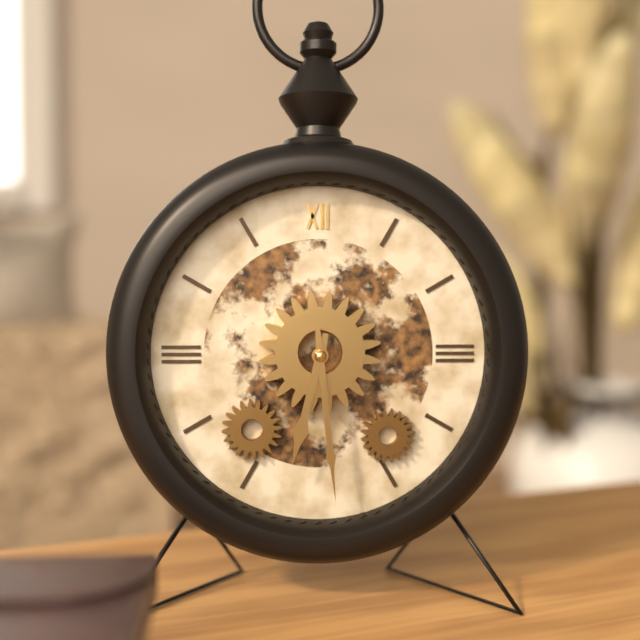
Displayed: **6:29**
